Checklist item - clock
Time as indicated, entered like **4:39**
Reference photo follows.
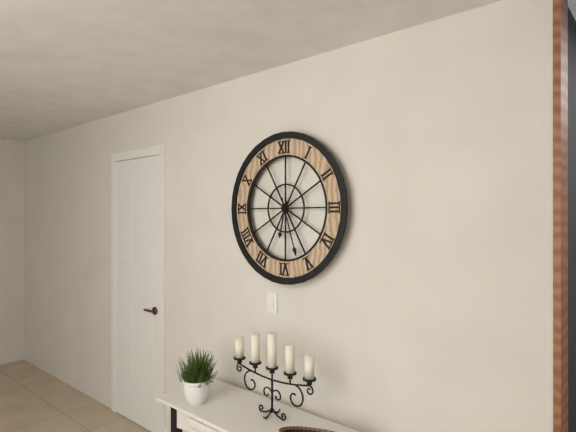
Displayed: **6:27**
